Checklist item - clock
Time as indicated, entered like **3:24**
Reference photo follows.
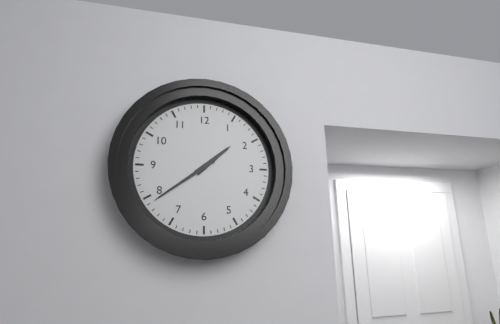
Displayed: **1:39**
